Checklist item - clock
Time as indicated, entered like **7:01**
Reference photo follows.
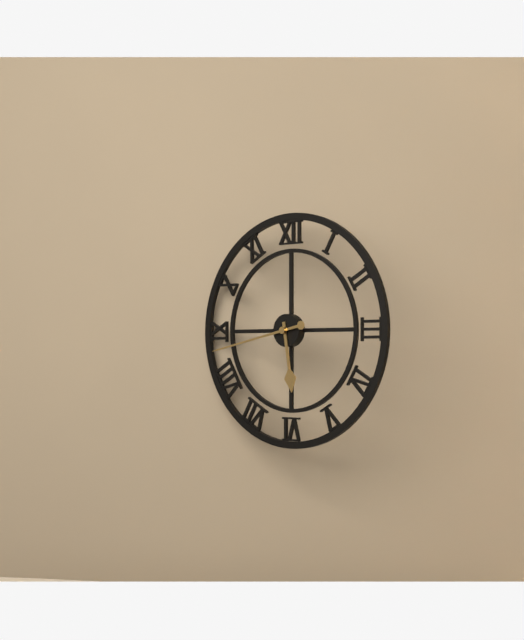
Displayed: **5:43**
